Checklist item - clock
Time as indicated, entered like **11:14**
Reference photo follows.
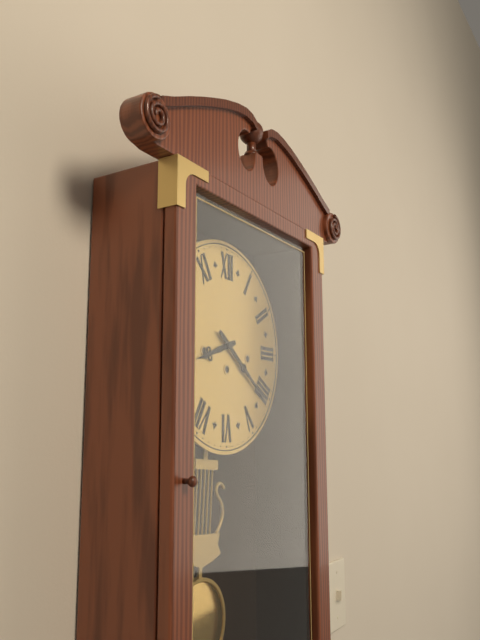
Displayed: **8:21**
